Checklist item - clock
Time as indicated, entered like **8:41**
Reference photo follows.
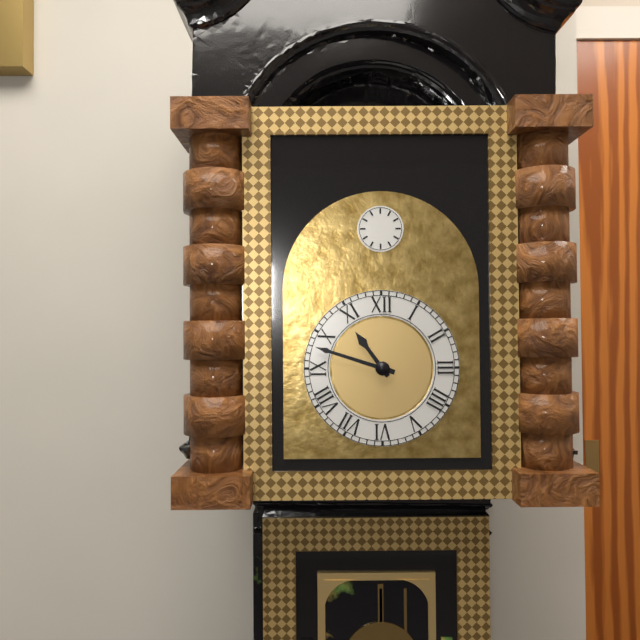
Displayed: **10:48**
